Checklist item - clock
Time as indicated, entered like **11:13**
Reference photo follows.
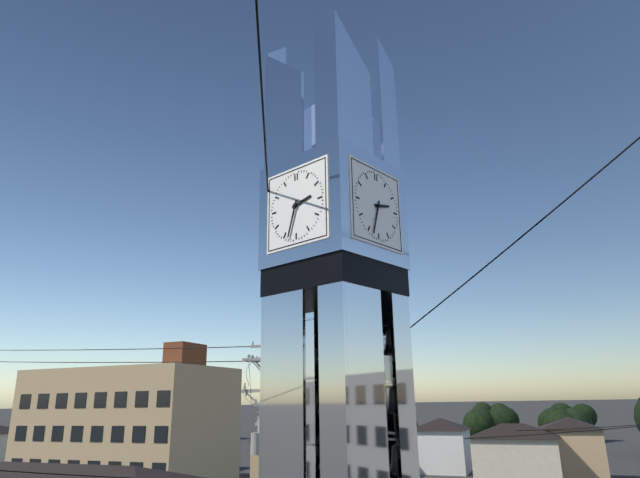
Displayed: **2:33**
